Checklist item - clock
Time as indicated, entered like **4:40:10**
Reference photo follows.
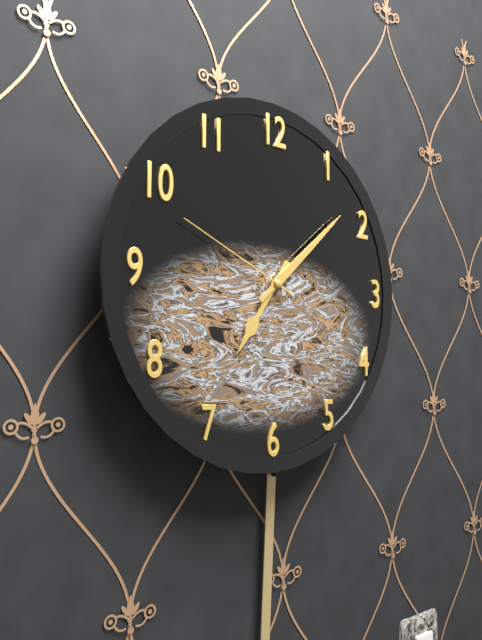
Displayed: **7:08:49**
